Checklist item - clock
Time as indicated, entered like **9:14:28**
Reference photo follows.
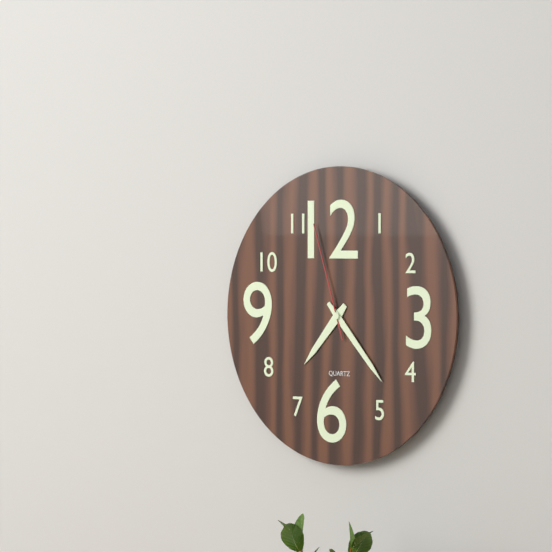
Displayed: **7:23:57**
